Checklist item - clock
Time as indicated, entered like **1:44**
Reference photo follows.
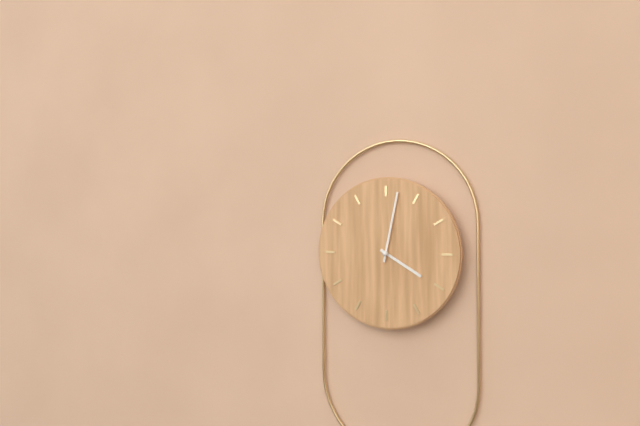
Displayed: **4:02**
